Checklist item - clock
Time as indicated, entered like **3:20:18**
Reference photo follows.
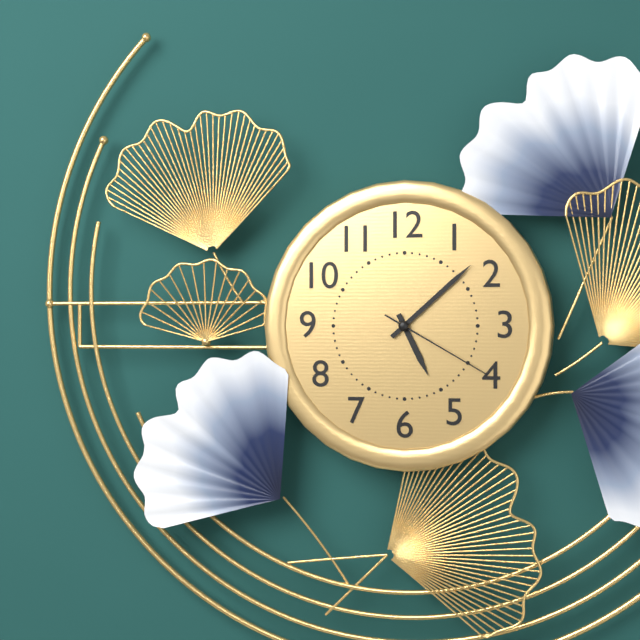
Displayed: **5:08:20**
